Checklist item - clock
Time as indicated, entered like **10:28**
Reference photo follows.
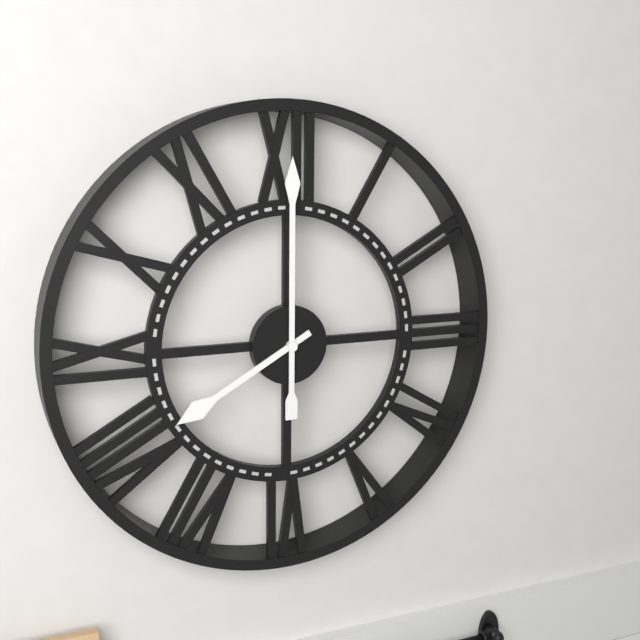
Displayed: **8:00**
